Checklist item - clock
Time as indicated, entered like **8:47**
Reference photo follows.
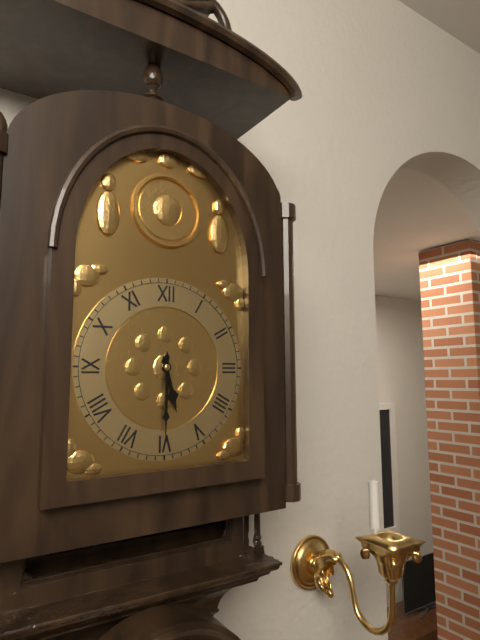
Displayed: **5:30**
